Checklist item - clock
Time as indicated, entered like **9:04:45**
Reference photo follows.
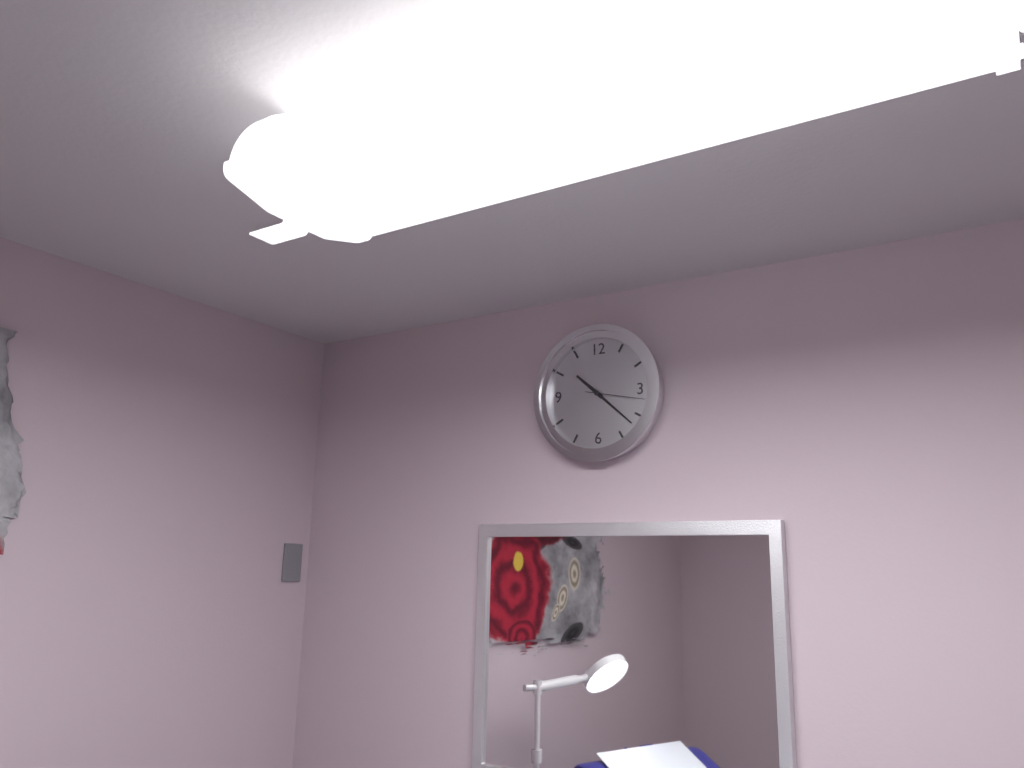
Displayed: **10:22:17**
